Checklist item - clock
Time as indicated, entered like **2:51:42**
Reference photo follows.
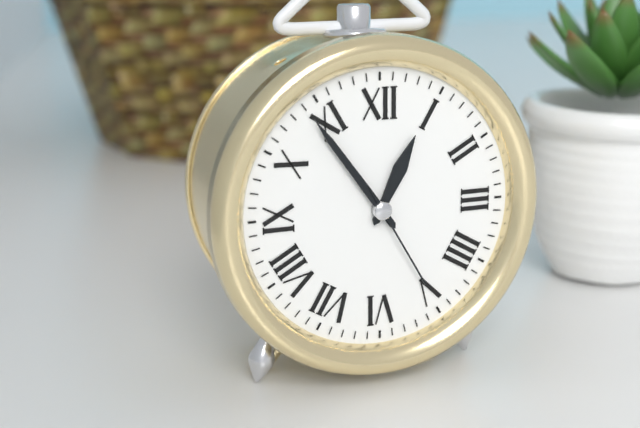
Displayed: **12:54:25**
